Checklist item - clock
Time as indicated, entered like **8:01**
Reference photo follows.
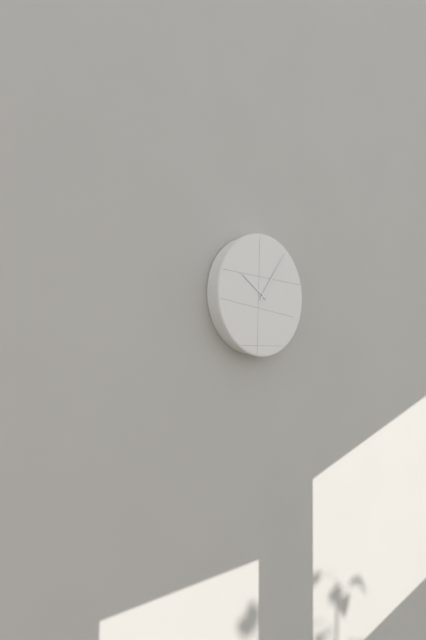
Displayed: **10:06**
